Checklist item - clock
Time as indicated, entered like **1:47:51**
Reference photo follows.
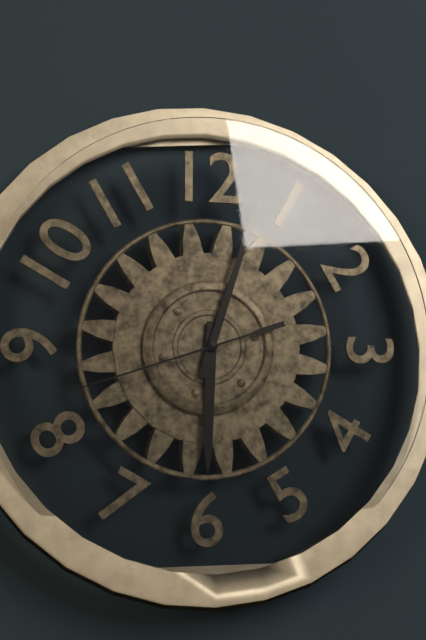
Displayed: **6:03:42**
